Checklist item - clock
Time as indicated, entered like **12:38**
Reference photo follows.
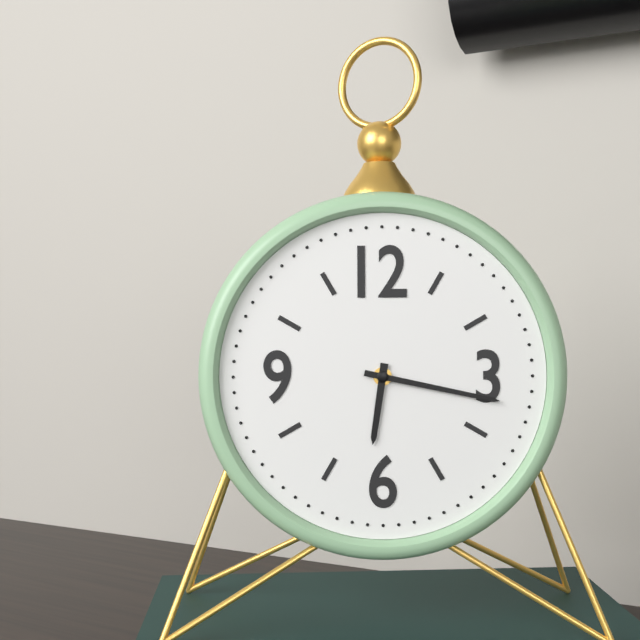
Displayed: **6:17**
